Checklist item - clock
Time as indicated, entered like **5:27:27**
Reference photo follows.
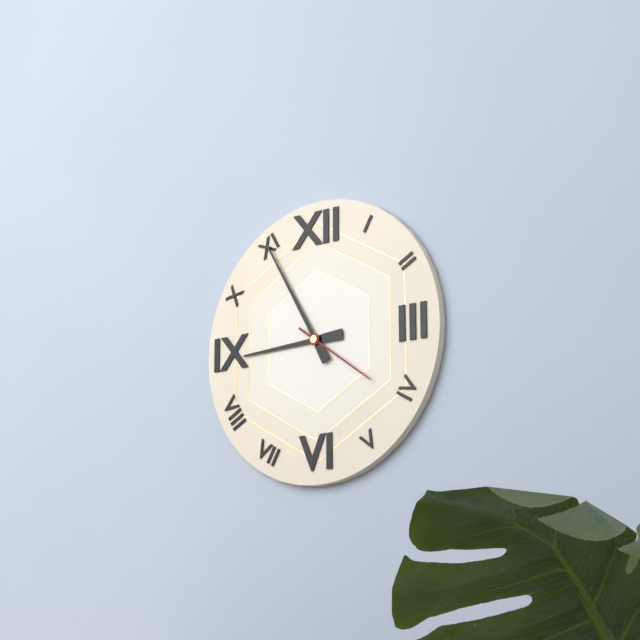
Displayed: **8:55:21**
